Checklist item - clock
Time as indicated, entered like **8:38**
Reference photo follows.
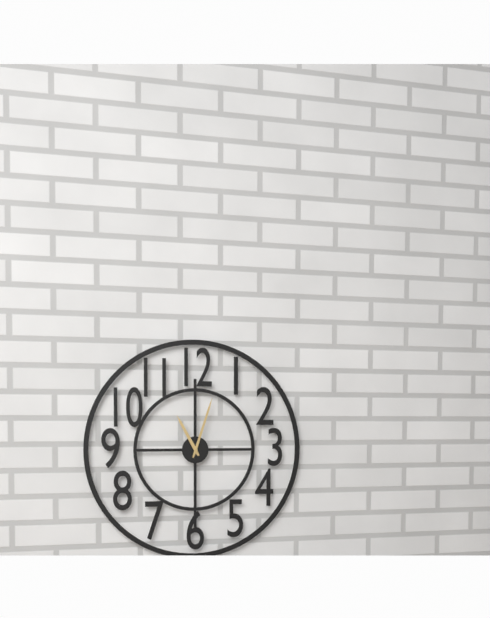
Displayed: **11:03**
